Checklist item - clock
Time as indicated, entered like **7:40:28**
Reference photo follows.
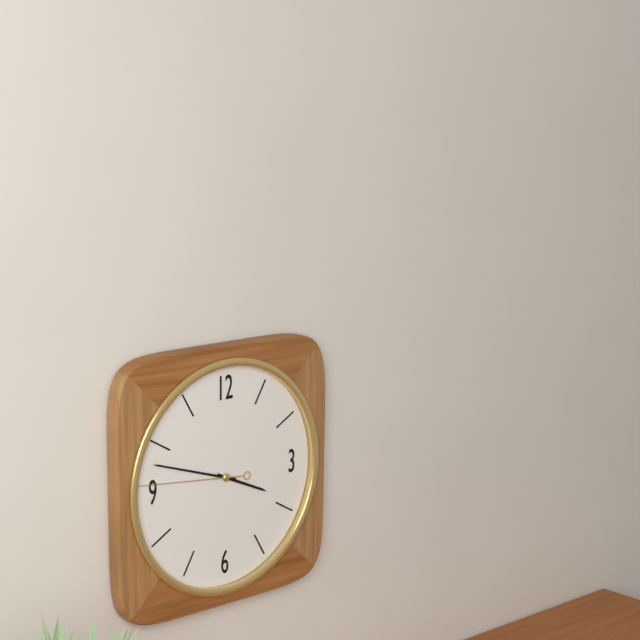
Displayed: **3:48:46**
